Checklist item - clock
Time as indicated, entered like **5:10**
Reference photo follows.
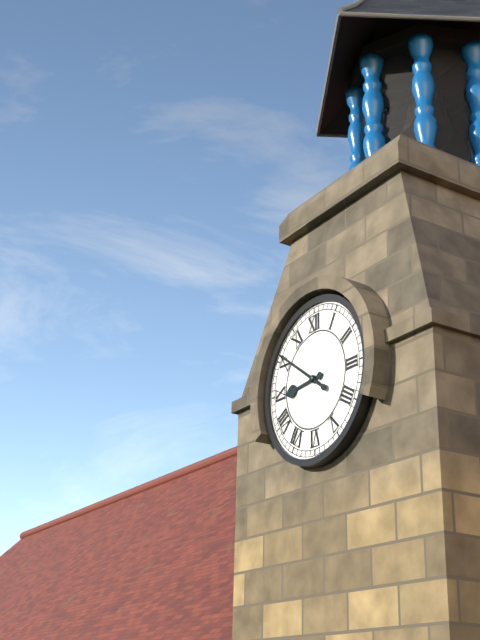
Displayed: **8:51**
